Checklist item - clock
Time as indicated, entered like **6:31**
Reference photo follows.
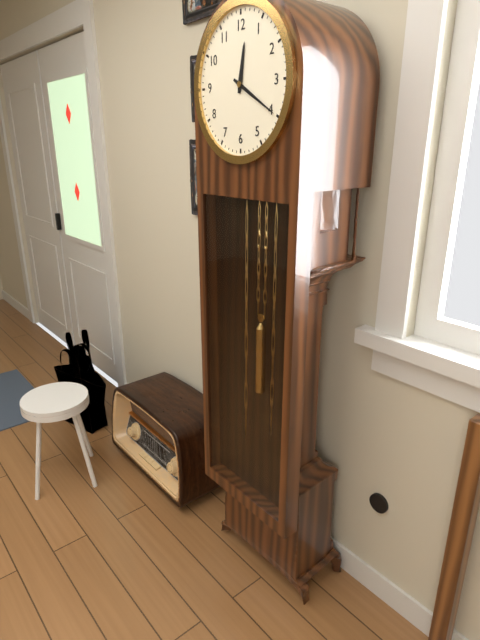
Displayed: **12:20**
